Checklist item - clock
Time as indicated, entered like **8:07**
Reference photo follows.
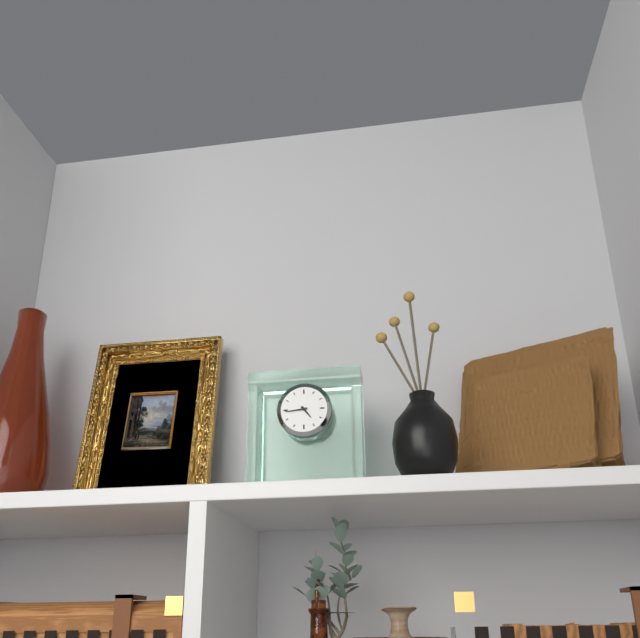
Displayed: **4:44**
